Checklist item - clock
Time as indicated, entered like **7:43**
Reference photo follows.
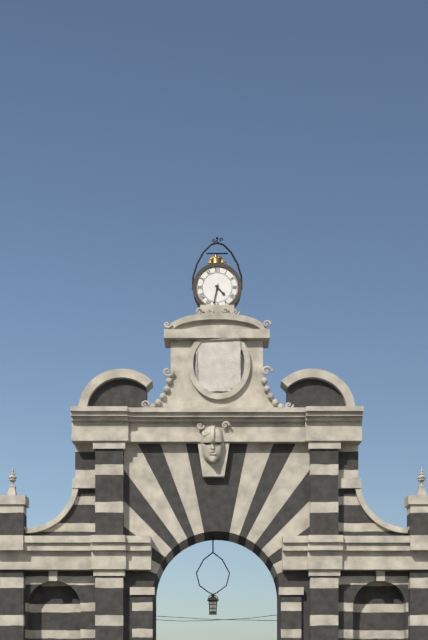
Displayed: **4:32**
